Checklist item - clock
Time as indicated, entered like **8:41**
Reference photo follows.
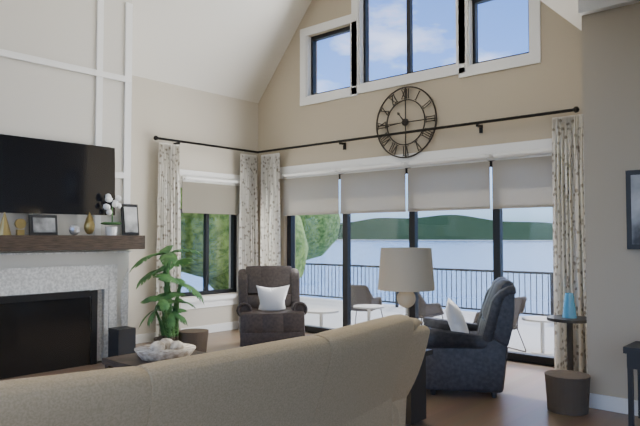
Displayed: **10:44**
